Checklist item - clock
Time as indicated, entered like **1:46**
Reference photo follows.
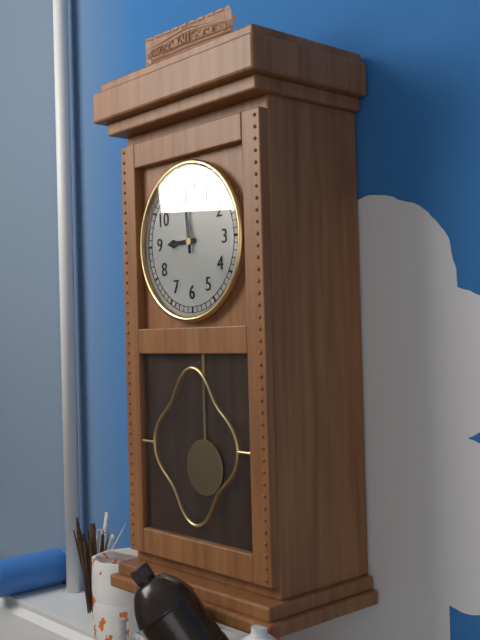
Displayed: **8:59**
